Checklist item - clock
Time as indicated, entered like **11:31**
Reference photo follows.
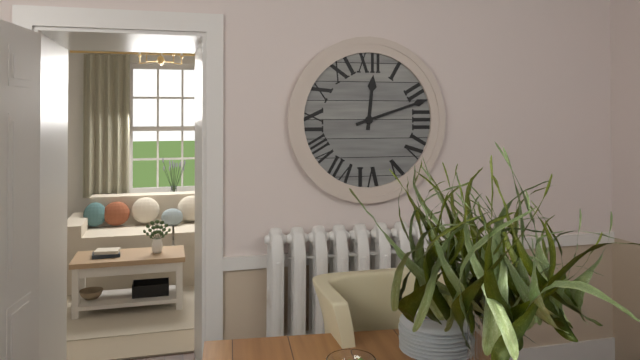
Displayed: **12:12**
